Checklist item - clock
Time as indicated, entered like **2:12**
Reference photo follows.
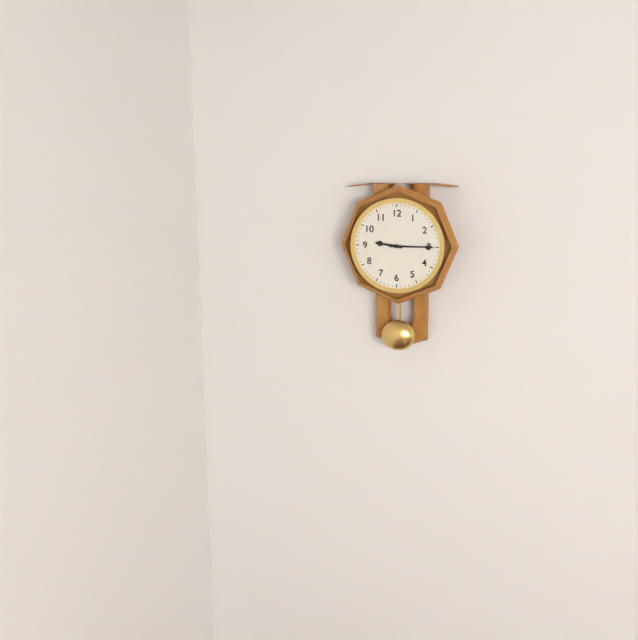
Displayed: **9:15**
